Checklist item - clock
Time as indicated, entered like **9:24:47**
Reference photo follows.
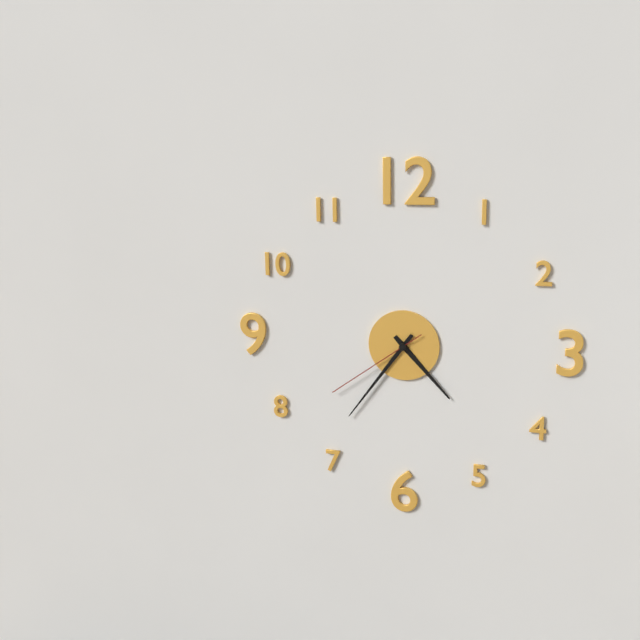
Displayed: **4:36:39**
